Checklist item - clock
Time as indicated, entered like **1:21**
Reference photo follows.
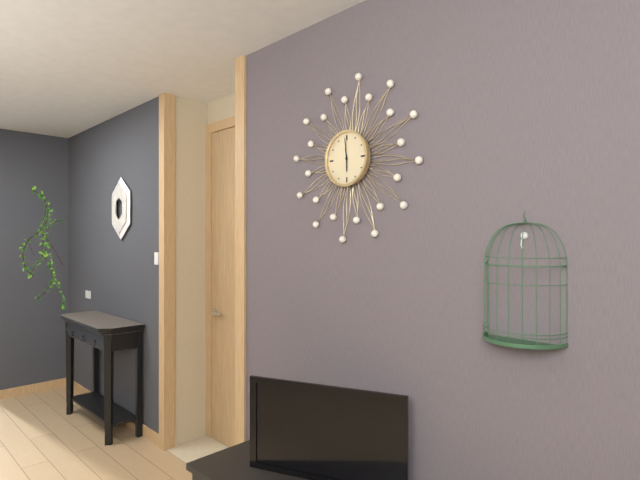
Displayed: **5:59**
